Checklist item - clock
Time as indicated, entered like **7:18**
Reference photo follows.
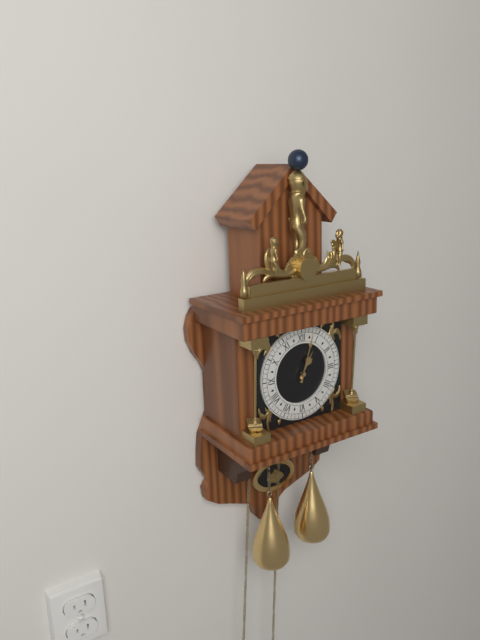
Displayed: **1:03**
